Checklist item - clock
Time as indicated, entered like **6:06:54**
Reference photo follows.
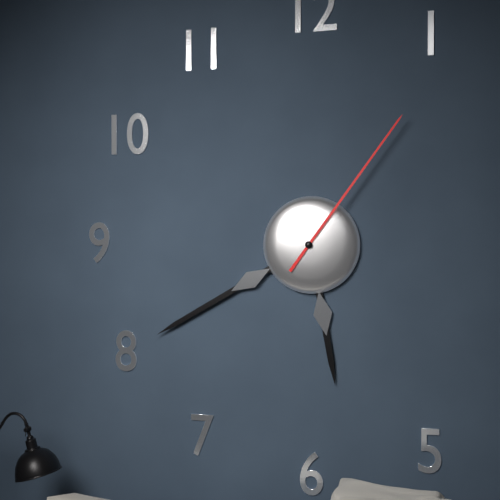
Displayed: **5:40:06**
